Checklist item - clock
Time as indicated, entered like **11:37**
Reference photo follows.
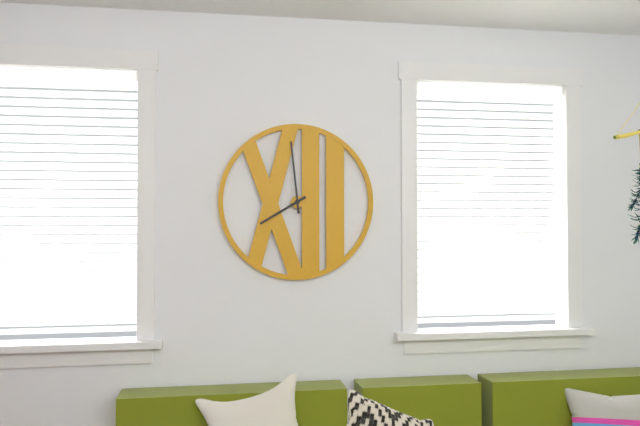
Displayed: **7:59**
